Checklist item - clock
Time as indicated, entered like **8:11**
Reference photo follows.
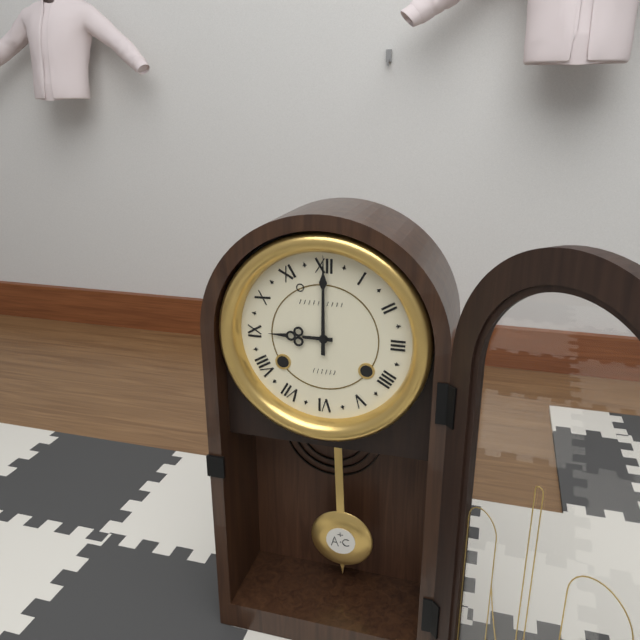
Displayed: **9:00**
